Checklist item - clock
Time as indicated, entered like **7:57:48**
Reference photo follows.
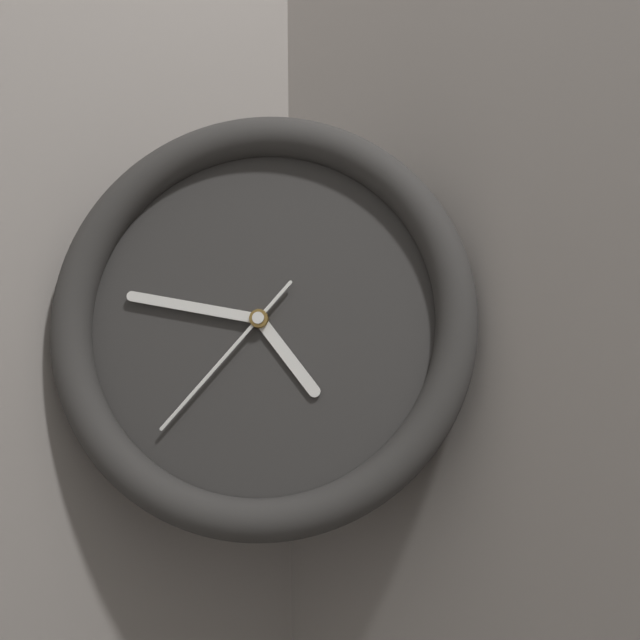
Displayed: **4:47:37**
